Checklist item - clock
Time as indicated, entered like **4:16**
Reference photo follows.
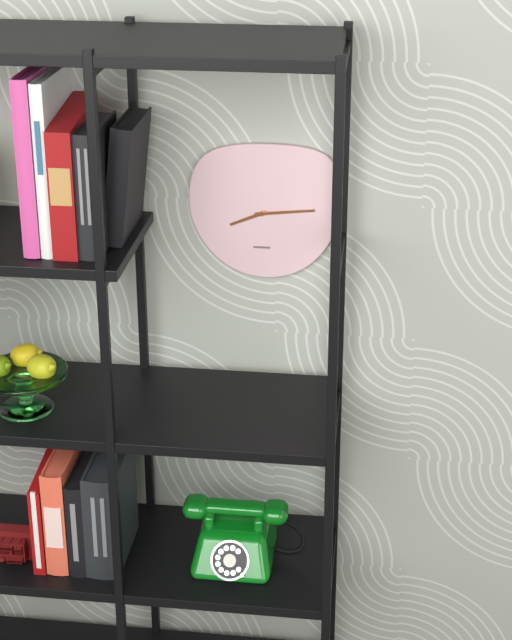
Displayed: **8:14**
